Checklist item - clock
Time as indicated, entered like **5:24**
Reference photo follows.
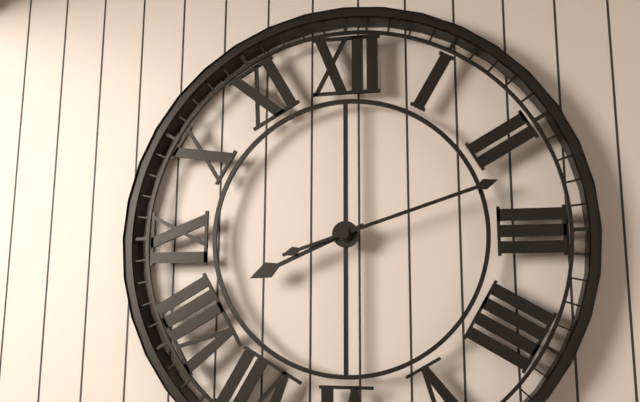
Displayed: **8:12**
